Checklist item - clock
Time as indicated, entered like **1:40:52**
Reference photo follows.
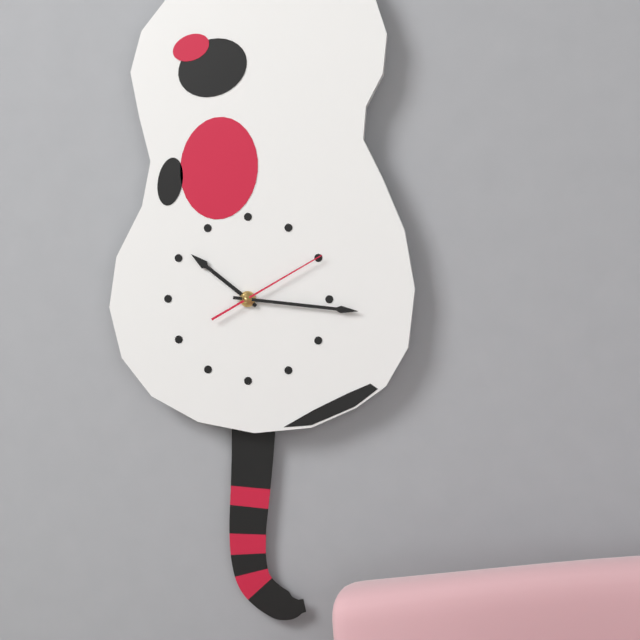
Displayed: **10:16:10**
